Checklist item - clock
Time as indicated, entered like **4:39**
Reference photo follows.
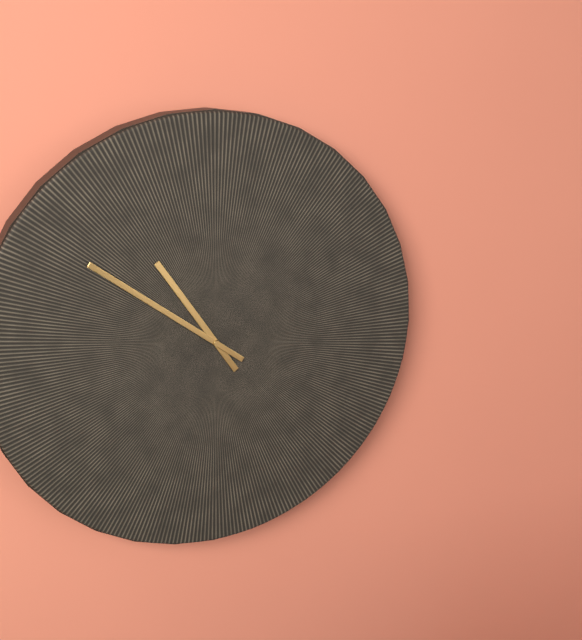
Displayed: **10:51**
